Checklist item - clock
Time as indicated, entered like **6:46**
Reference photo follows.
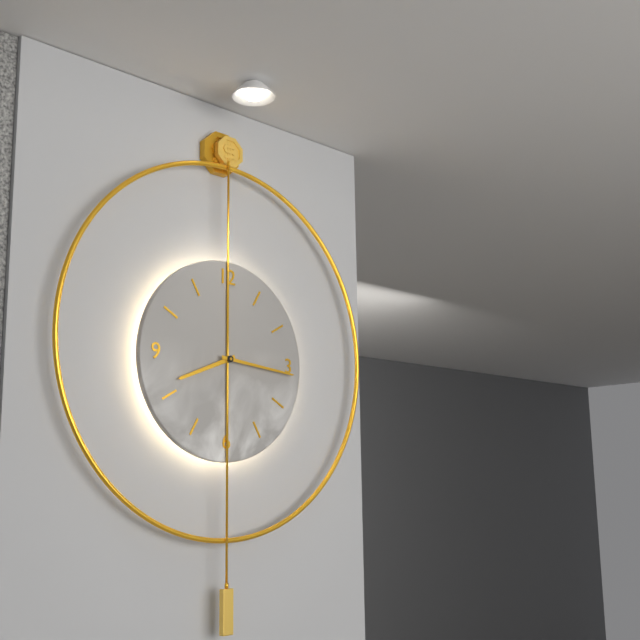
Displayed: **8:16**
